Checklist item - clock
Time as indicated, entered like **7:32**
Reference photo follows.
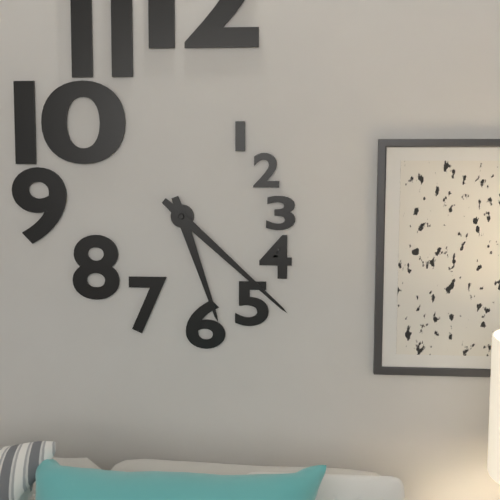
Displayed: **5:22**
